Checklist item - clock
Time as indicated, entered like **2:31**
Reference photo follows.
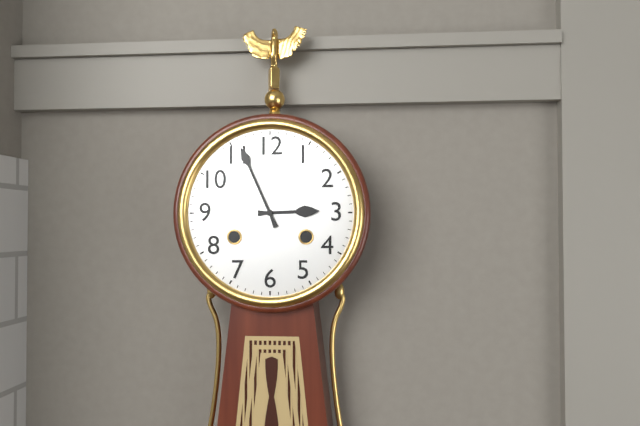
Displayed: **2:56**
